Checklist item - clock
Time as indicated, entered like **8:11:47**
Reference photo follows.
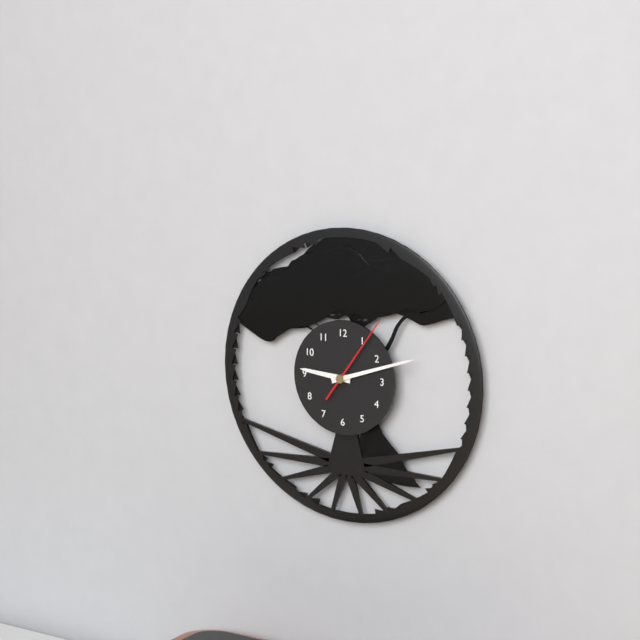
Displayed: **9:12:06**
